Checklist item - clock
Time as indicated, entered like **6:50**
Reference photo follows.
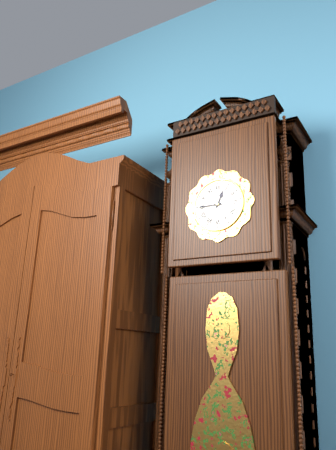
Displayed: **12:45**
